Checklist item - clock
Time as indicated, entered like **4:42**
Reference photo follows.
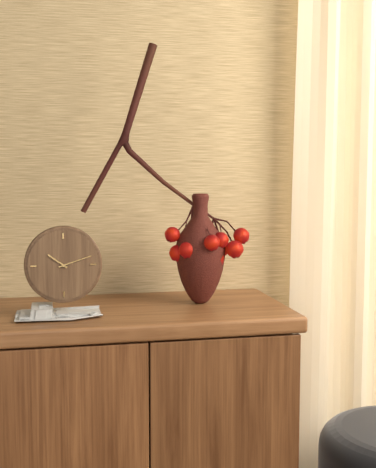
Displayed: **10:12**
